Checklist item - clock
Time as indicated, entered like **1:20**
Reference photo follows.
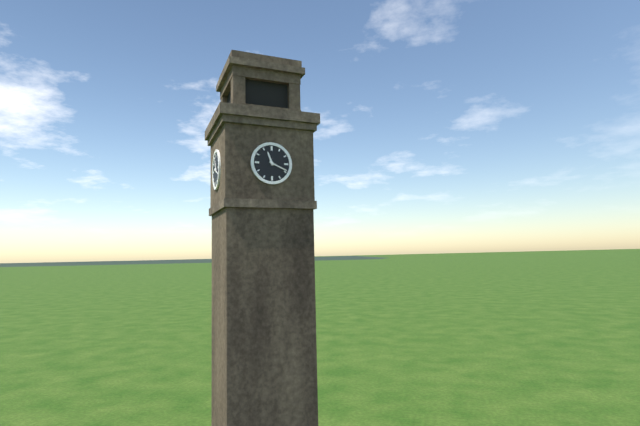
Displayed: **11:19**
